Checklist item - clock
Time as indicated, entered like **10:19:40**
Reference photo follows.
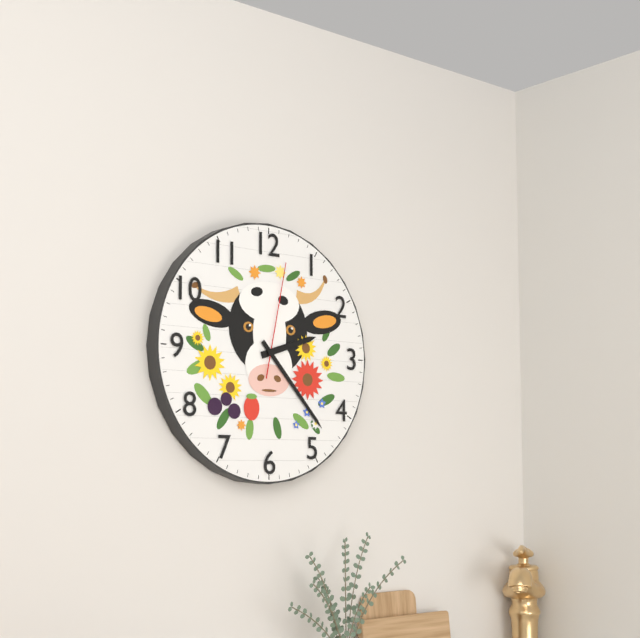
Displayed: **2:23:02**
